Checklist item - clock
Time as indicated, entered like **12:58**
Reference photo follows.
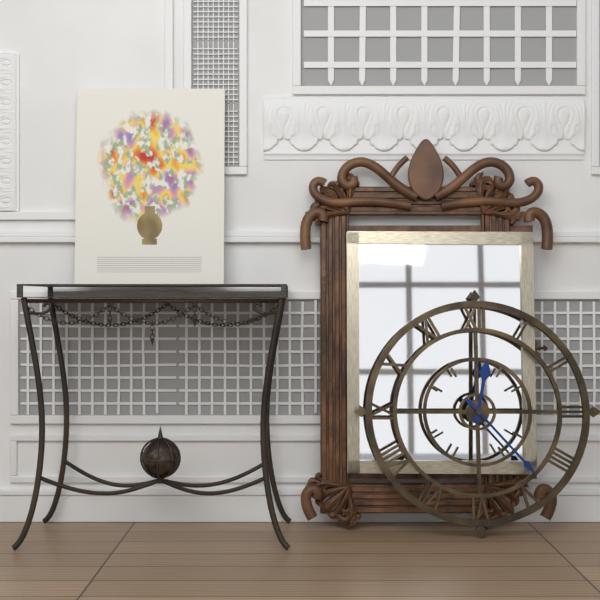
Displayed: **12:23**
